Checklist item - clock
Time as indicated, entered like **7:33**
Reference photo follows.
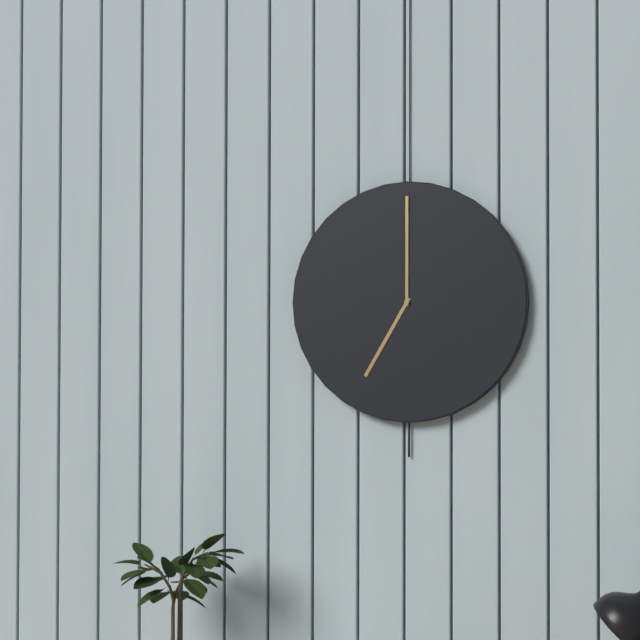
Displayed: **7:00**
